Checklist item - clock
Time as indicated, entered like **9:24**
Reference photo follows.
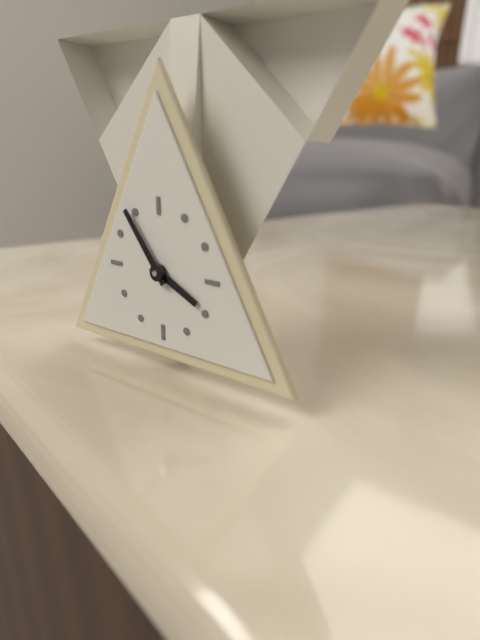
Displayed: **3:54**
